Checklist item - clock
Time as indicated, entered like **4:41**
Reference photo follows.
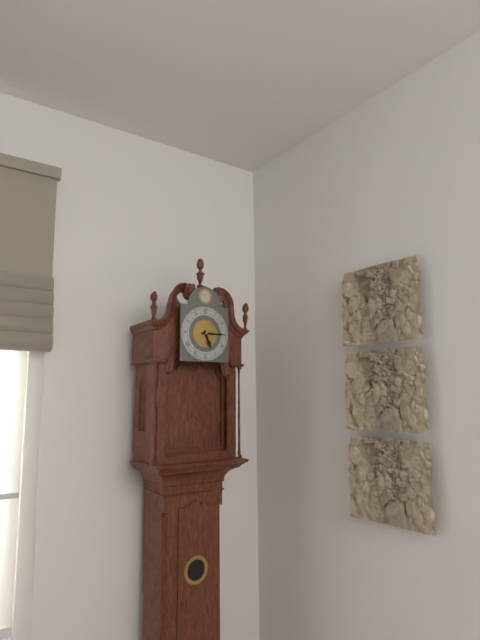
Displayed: **5:15**
